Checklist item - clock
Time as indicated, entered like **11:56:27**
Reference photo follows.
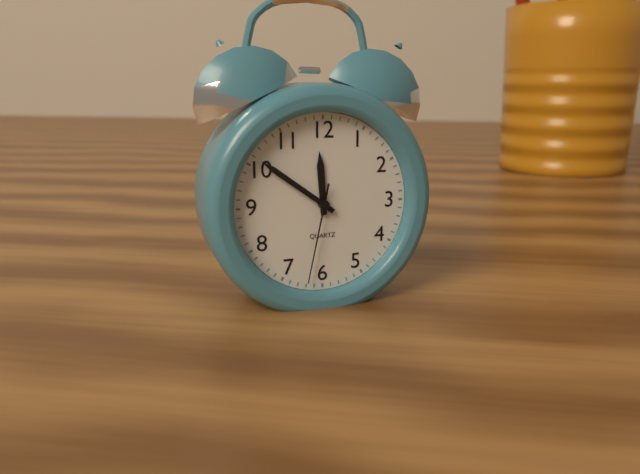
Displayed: **11:51:32**
